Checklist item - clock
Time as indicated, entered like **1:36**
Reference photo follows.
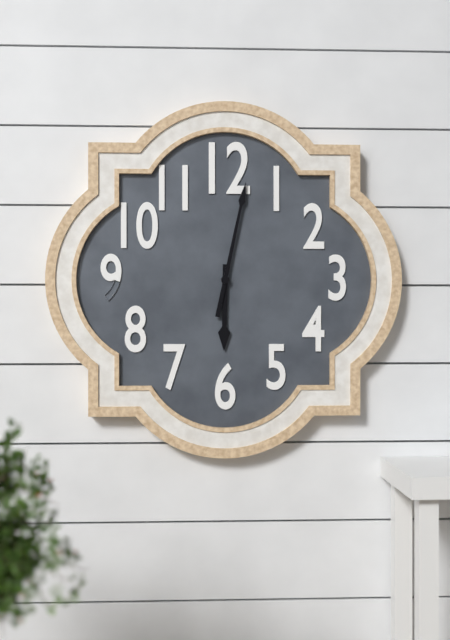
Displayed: **6:02**
